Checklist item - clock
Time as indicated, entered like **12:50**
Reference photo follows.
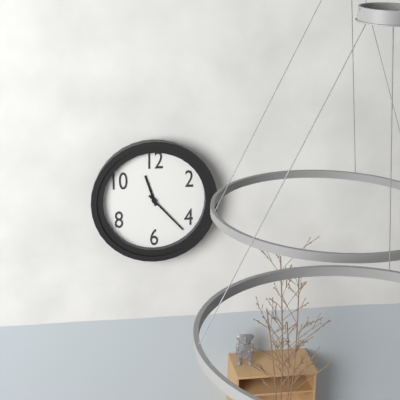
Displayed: **11:23**
